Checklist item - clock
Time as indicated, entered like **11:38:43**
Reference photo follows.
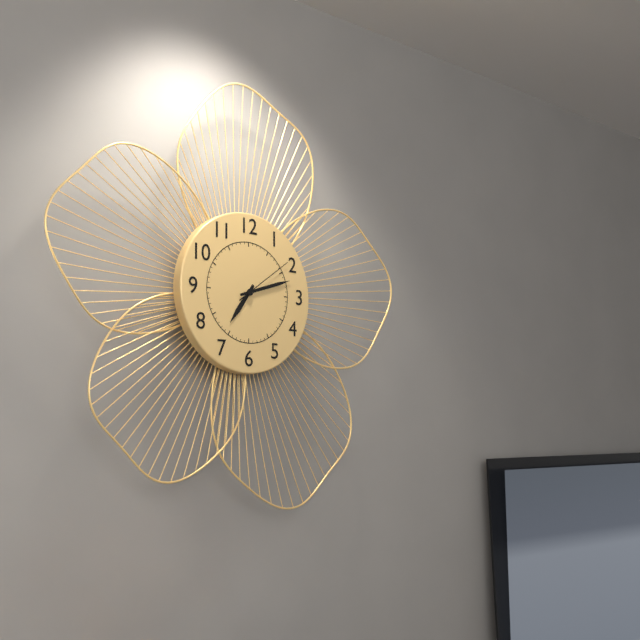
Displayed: **7:12:09**
